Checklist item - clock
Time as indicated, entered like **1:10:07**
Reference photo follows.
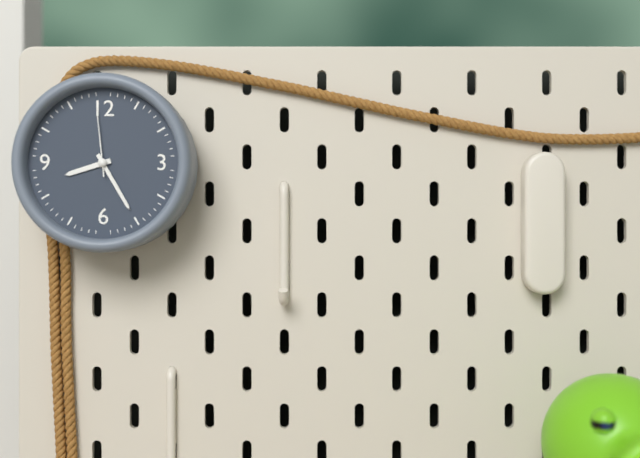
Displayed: **8:25:59**
